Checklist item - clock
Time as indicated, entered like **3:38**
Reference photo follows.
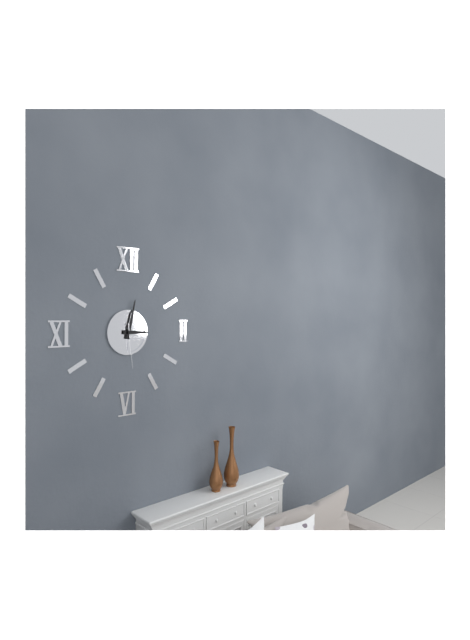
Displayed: **3:02**
